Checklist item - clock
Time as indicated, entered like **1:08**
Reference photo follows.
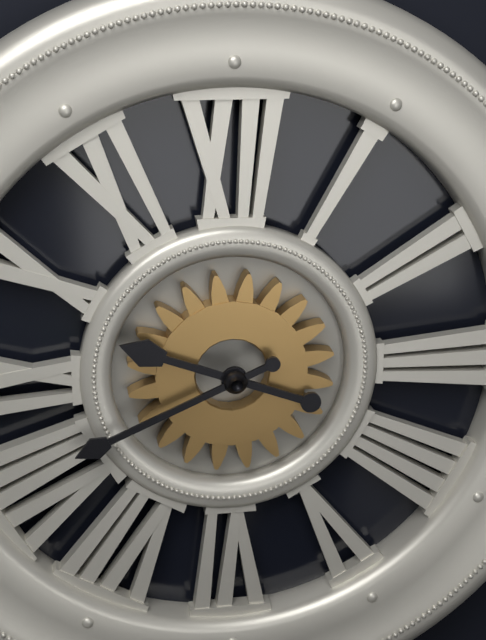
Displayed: **9:41**
